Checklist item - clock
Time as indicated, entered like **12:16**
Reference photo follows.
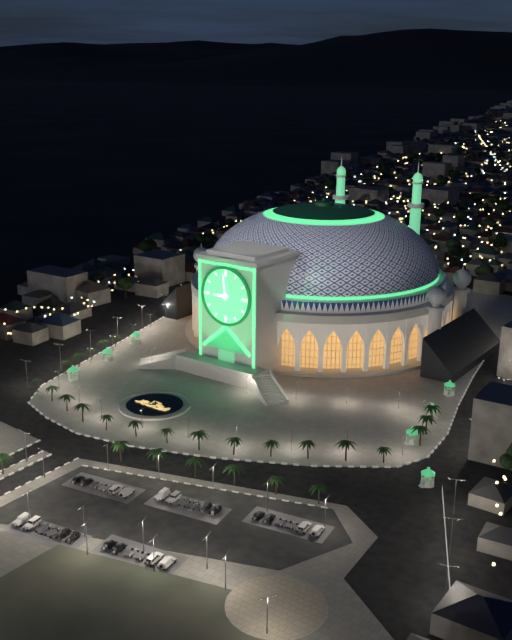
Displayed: **8:59**
